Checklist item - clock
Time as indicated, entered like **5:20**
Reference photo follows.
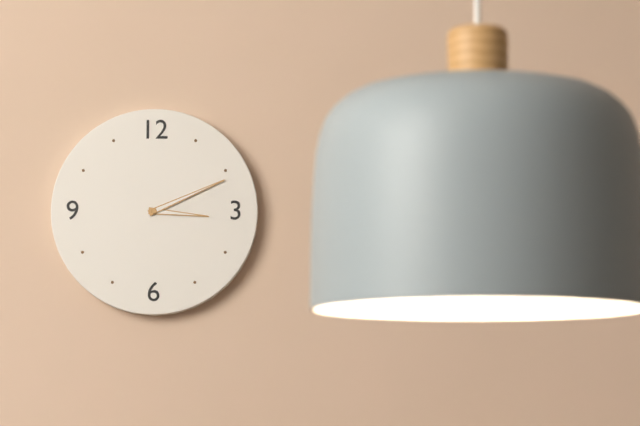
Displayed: **3:11**
